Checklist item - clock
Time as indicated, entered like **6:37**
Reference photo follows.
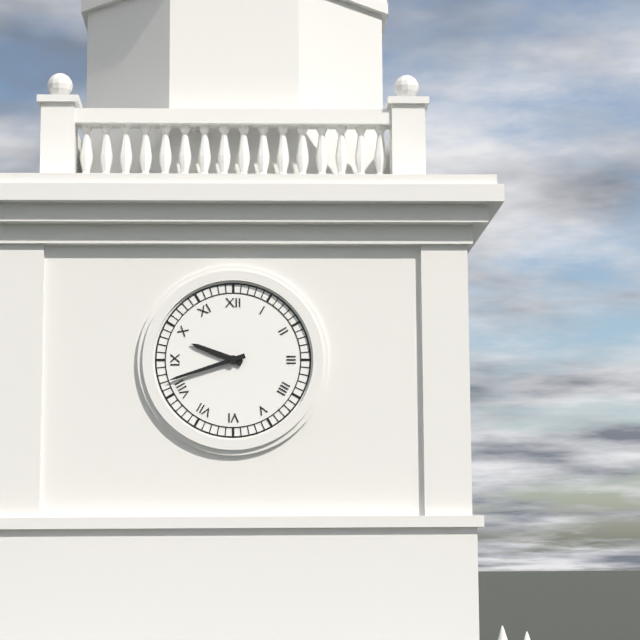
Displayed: **9:42**
